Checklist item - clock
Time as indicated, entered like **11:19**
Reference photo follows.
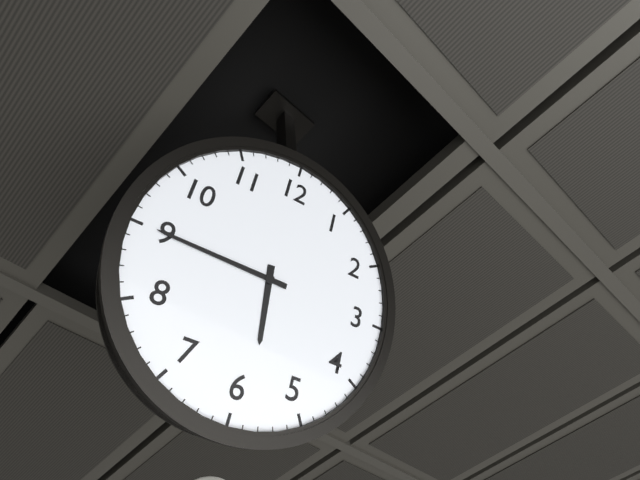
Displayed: **5:45**
